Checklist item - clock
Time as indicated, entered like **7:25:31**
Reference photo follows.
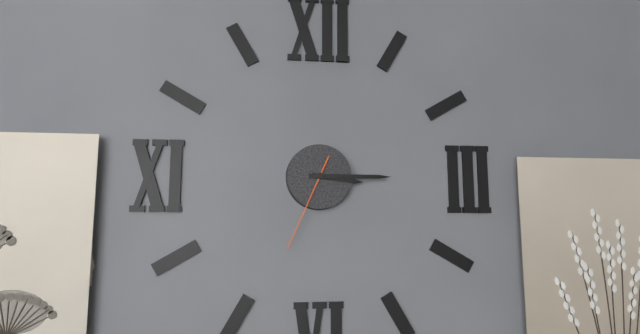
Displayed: **3:15:34**
